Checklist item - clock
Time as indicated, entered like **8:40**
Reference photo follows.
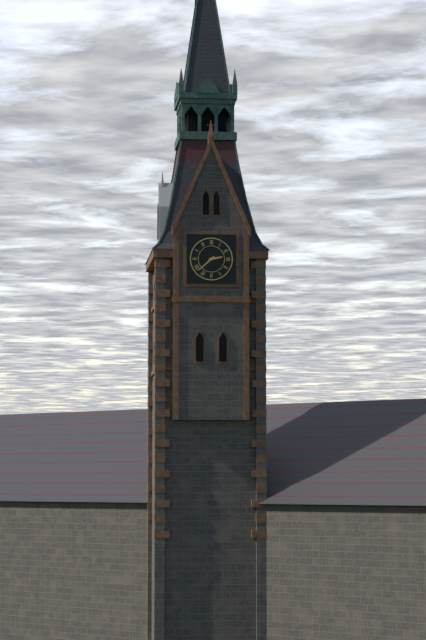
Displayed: **2:38**
